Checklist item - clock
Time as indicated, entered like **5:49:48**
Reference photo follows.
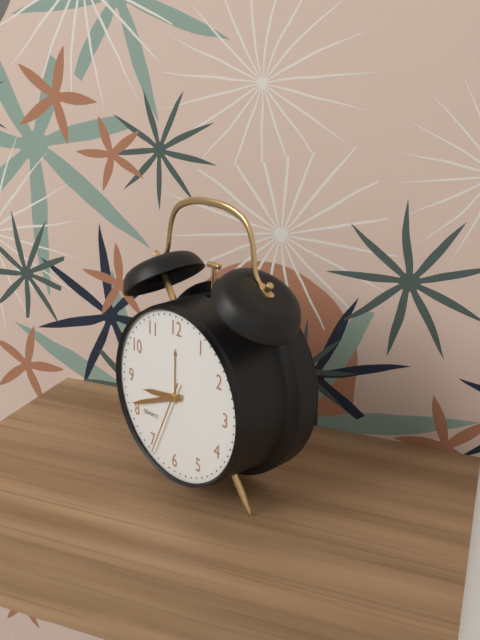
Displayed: **8:41:34**
